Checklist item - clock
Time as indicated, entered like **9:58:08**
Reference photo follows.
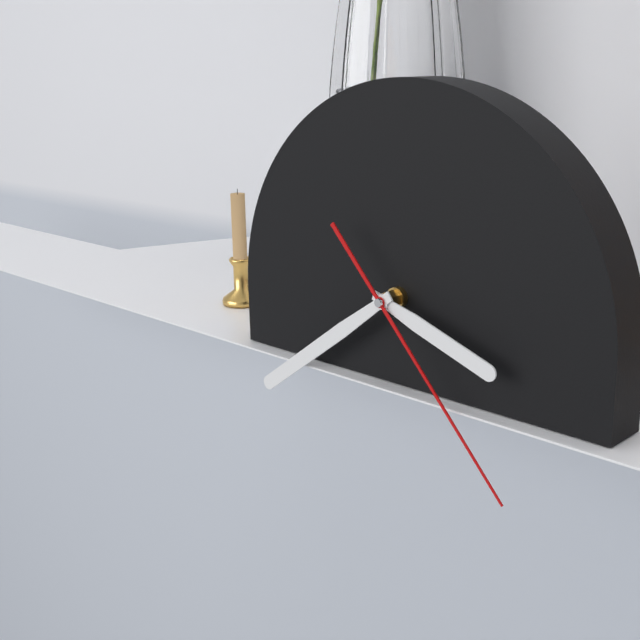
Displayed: **3:39:23**
